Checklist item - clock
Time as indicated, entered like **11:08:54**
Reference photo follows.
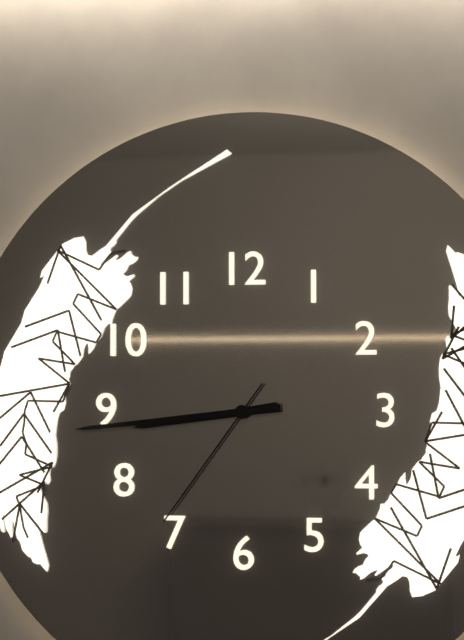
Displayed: **8:44:36**
